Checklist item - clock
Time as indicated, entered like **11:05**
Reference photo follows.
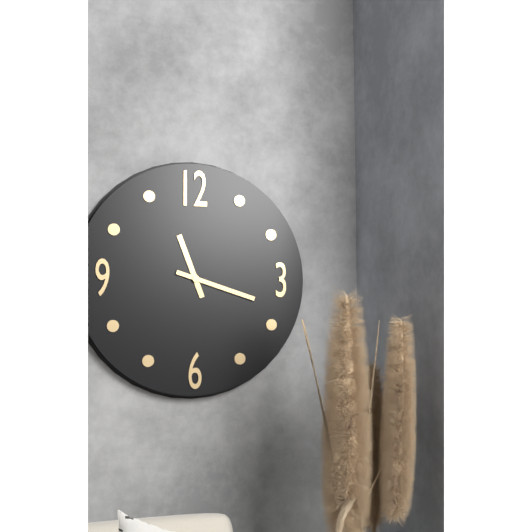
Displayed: **11:18**
